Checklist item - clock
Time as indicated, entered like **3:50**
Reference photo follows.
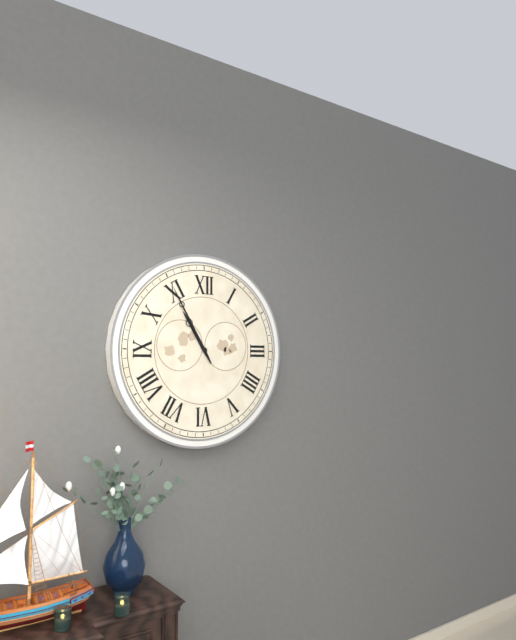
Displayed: **10:55**
